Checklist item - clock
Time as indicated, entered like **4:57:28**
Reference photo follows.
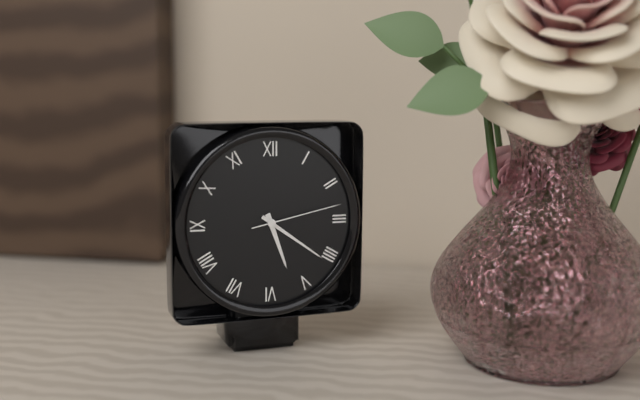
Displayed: **5:21:13**
